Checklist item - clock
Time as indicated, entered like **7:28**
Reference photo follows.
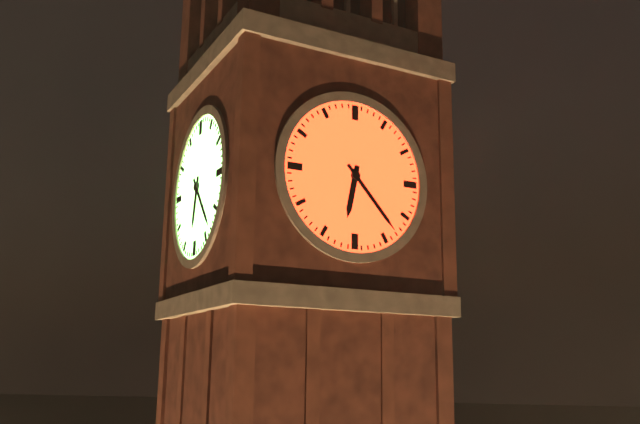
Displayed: **6:23**
